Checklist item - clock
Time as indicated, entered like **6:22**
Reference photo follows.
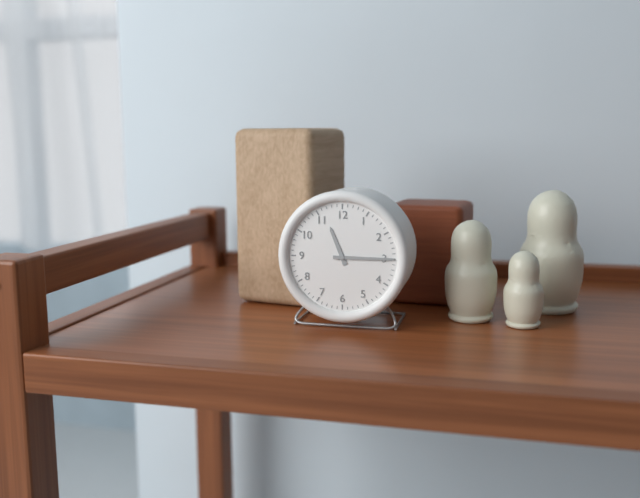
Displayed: **11:15**
